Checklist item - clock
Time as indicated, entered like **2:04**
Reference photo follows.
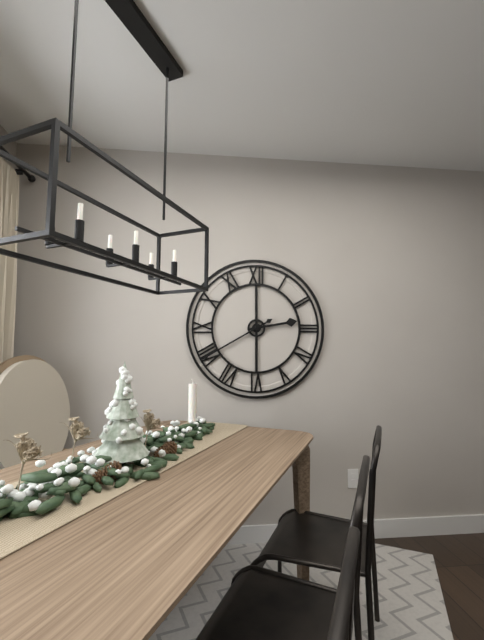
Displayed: **2:40**
